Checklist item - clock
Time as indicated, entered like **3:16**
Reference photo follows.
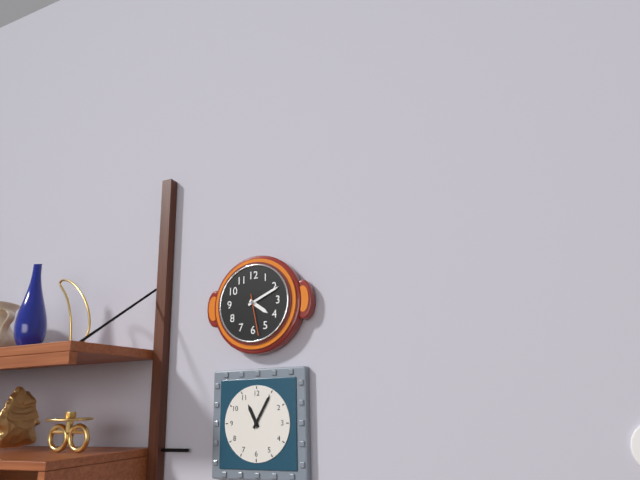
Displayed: **4:11**
